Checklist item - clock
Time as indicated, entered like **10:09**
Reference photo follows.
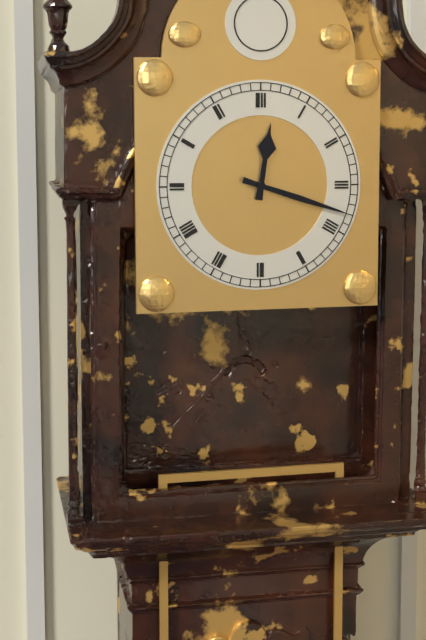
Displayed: **12:18**
